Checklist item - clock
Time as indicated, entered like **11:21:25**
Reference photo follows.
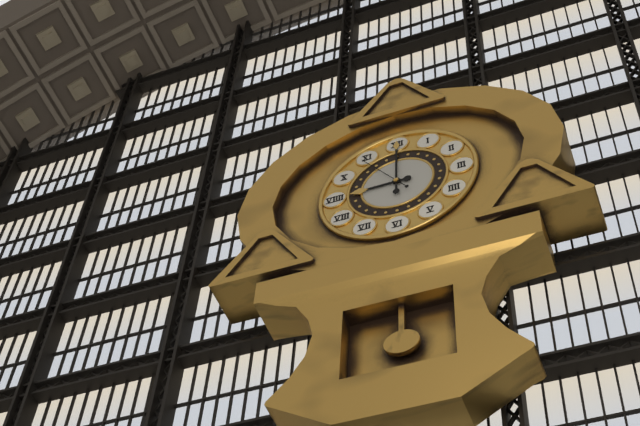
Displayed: **9:00:54**
